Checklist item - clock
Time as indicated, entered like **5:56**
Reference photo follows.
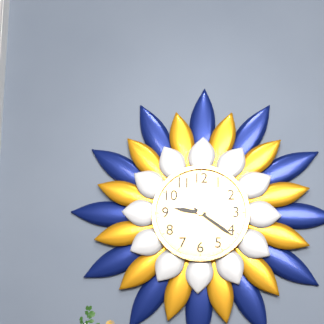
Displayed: **9:21**
